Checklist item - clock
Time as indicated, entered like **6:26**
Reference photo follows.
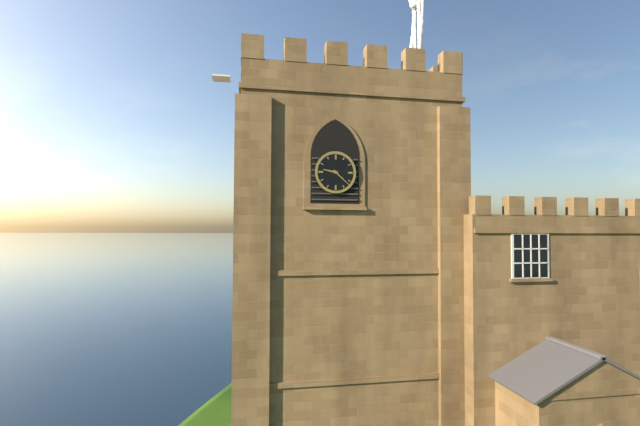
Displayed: **9:22**
